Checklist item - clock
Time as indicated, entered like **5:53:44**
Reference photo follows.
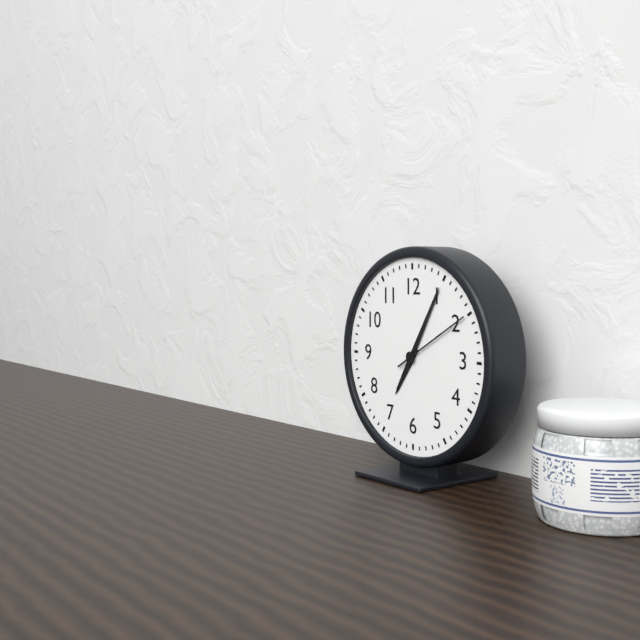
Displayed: **7:05:10**
